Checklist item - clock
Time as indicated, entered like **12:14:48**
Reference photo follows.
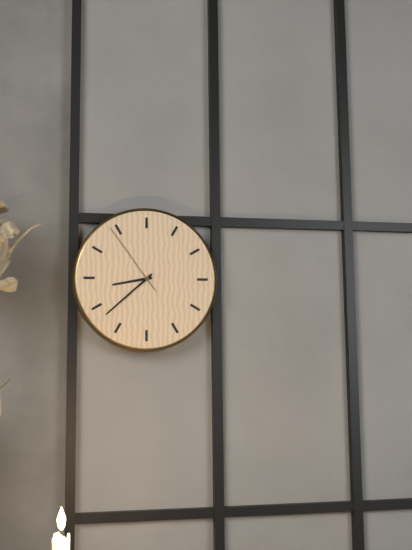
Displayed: **8:38:54**
